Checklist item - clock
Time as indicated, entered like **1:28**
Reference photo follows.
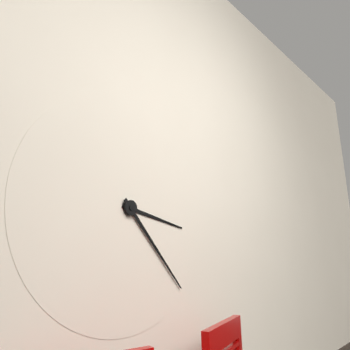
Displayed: **3:23**
